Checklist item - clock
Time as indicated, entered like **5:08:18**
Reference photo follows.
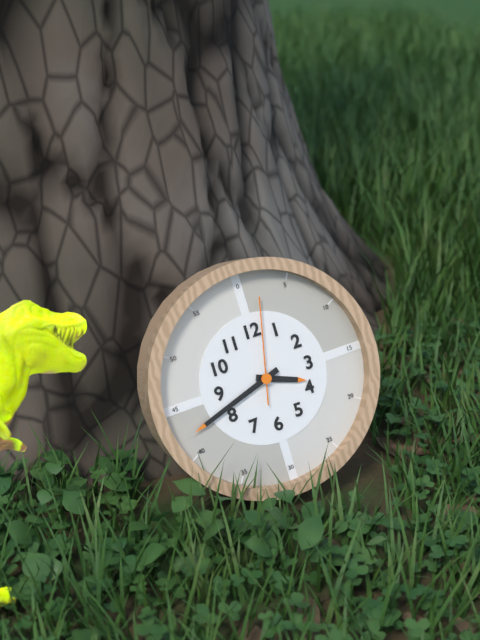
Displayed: **3:42:02**
